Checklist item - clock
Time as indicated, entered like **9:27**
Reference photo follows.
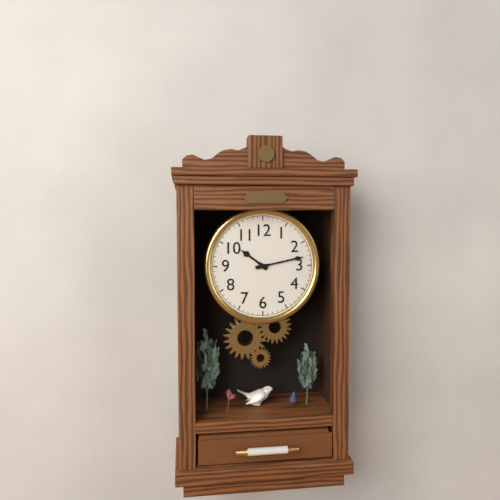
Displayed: **10:13**
